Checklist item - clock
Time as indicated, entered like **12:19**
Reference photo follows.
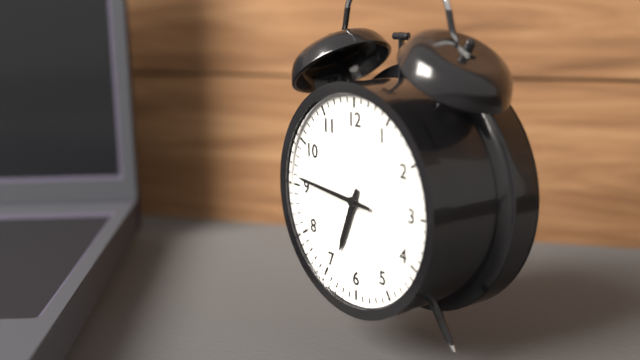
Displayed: **6:46**
